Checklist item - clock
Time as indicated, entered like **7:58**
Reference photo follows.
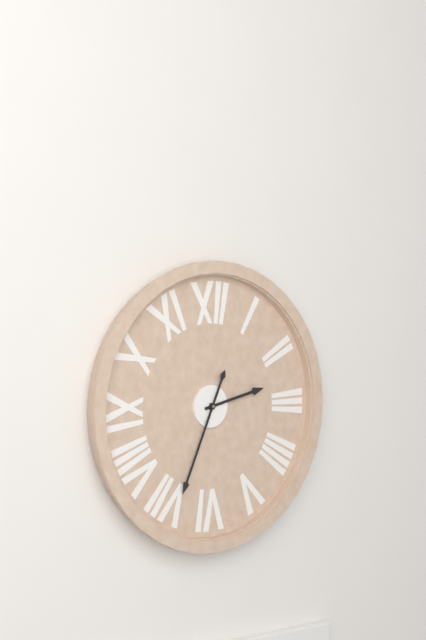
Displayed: **2:34**
